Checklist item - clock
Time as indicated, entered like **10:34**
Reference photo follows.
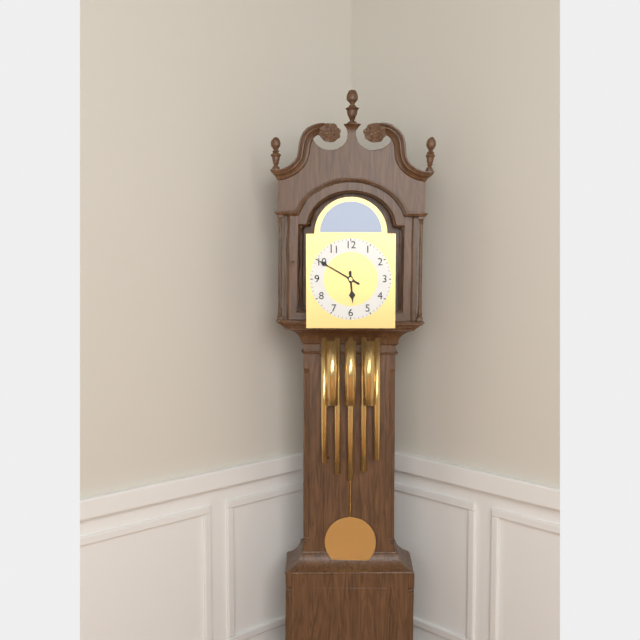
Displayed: **5:50**
